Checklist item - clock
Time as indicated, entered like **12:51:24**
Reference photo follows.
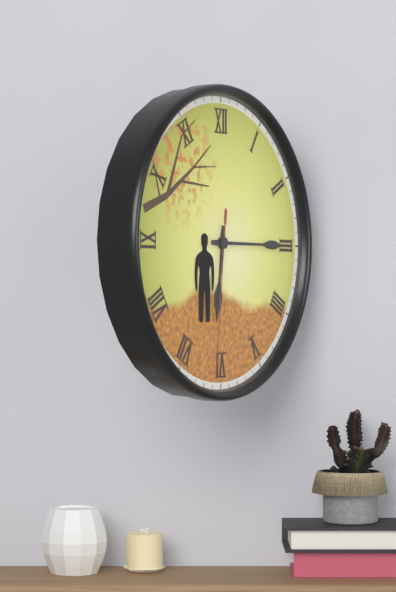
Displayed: **6:15:31**
